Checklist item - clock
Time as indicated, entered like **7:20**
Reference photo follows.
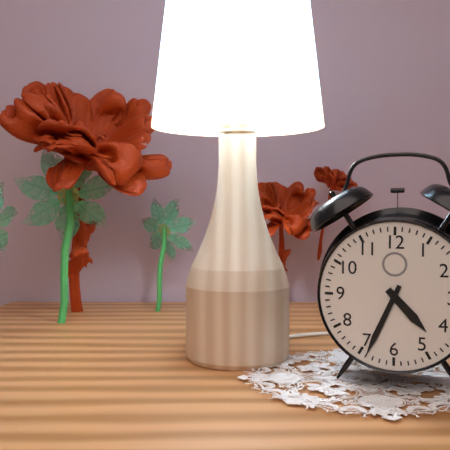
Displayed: **4:34**
